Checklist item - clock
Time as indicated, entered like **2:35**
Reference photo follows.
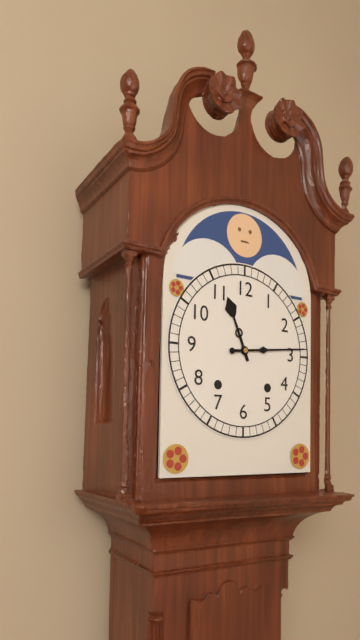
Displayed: **11:14**
